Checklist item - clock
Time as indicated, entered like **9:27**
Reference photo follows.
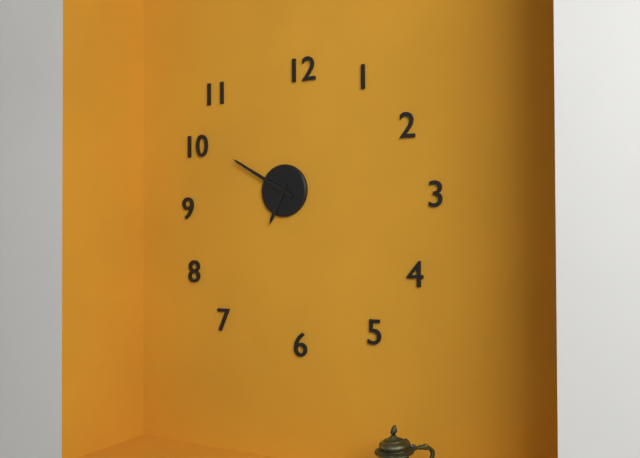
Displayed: **6:50**
